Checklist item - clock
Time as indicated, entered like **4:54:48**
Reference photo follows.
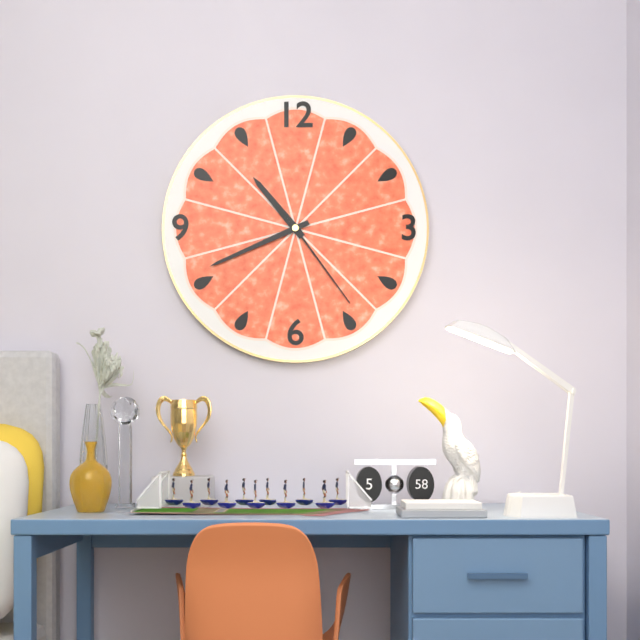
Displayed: **10:41:24**
